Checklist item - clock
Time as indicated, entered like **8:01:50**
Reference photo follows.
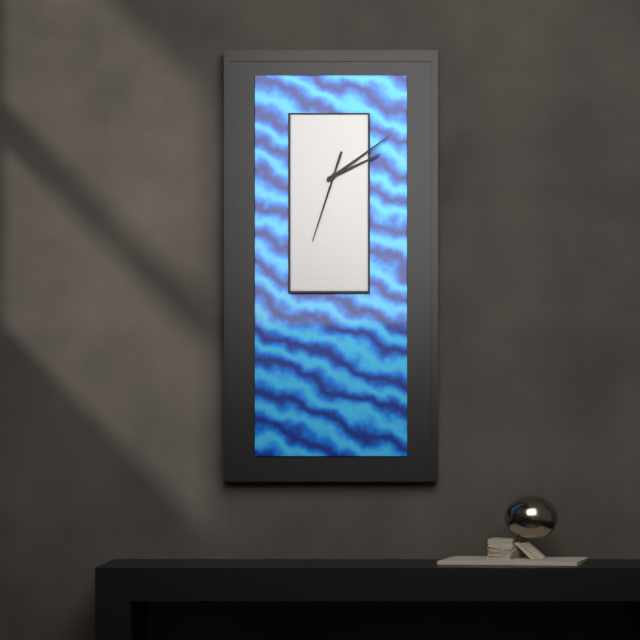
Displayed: **2:09:33**
